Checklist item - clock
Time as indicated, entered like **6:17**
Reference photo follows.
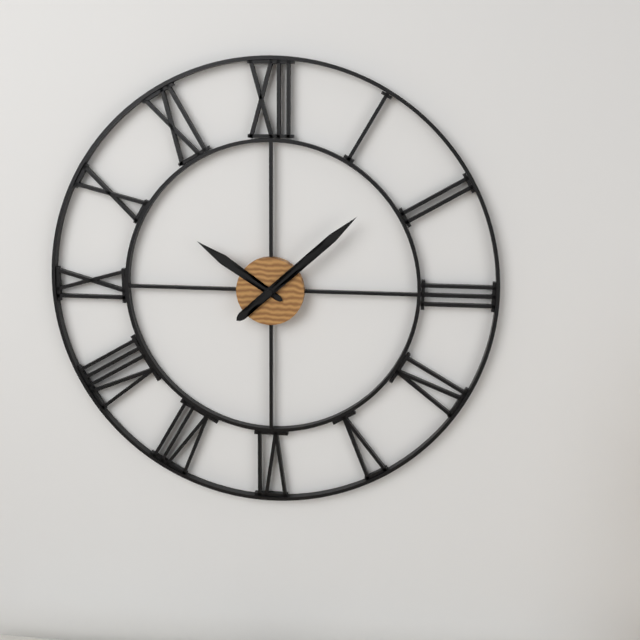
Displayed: **10:08**
